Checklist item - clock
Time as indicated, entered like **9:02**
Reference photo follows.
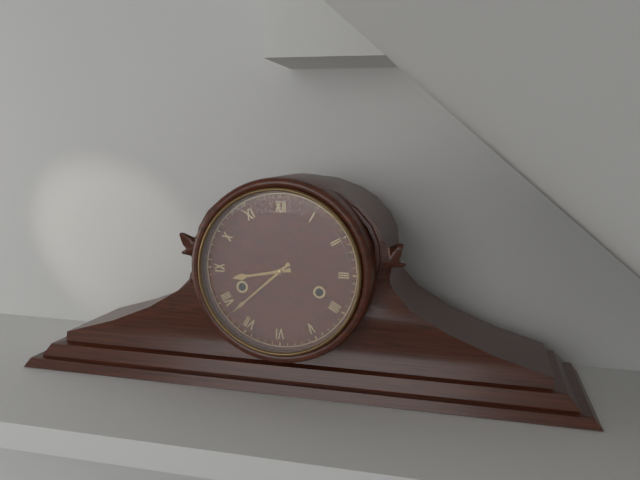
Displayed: **8:38**
